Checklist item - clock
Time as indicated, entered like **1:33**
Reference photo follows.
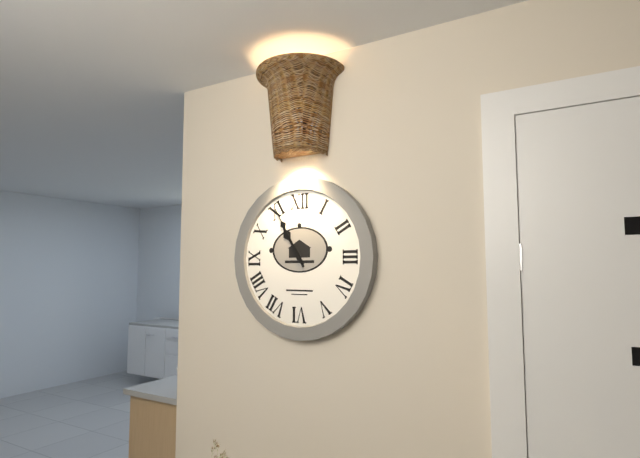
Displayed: **10:55**
